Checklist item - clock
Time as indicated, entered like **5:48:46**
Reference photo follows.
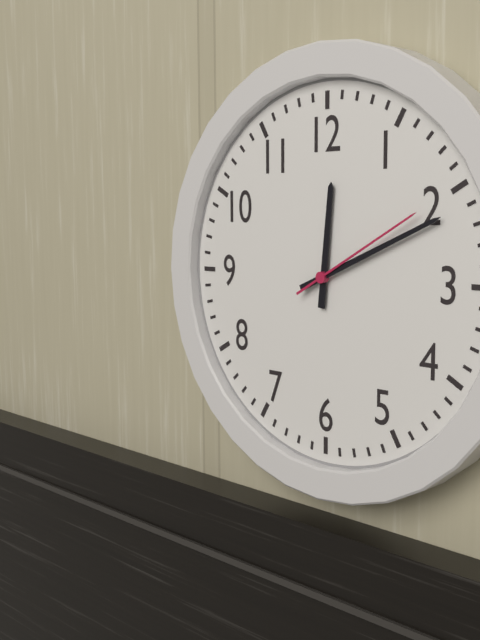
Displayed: **12:11:10**
